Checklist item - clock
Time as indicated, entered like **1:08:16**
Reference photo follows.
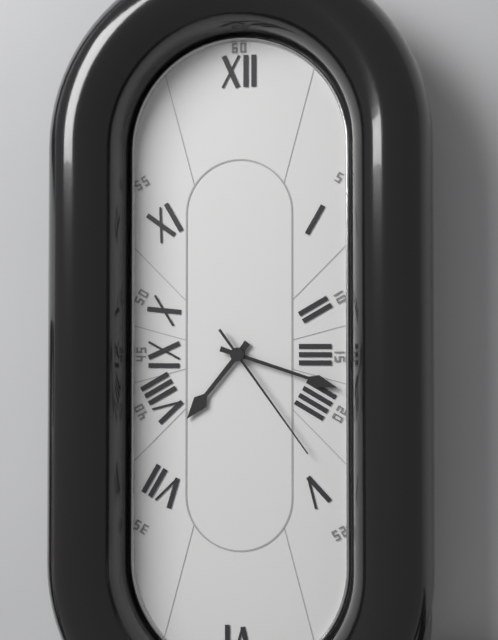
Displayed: **7:18:24**
